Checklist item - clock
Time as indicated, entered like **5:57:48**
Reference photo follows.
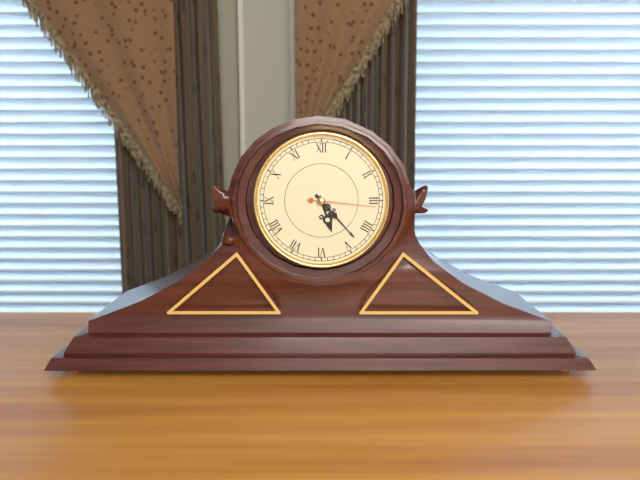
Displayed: **5:23:16**
